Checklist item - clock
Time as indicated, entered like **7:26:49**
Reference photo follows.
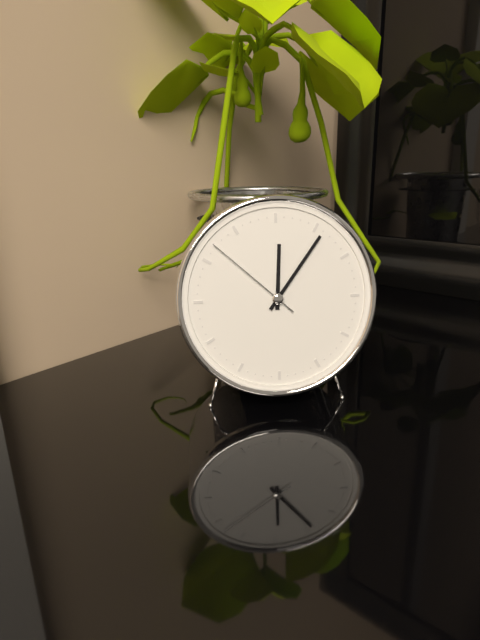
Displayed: **12:06:52**
